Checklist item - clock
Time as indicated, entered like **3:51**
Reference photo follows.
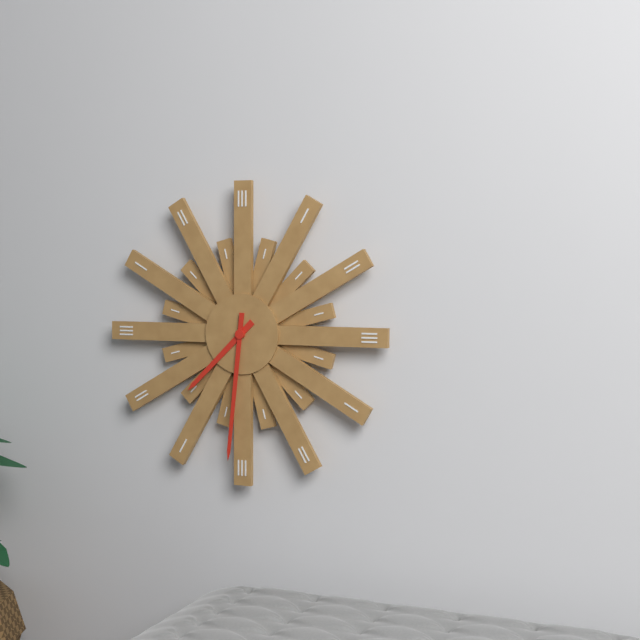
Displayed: **7:31**
